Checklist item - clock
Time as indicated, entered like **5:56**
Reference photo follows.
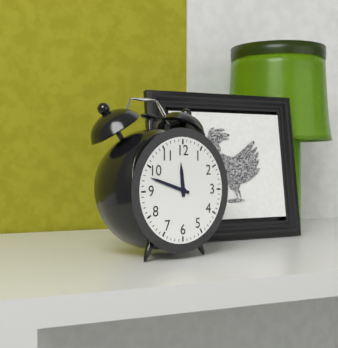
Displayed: **11:48**
